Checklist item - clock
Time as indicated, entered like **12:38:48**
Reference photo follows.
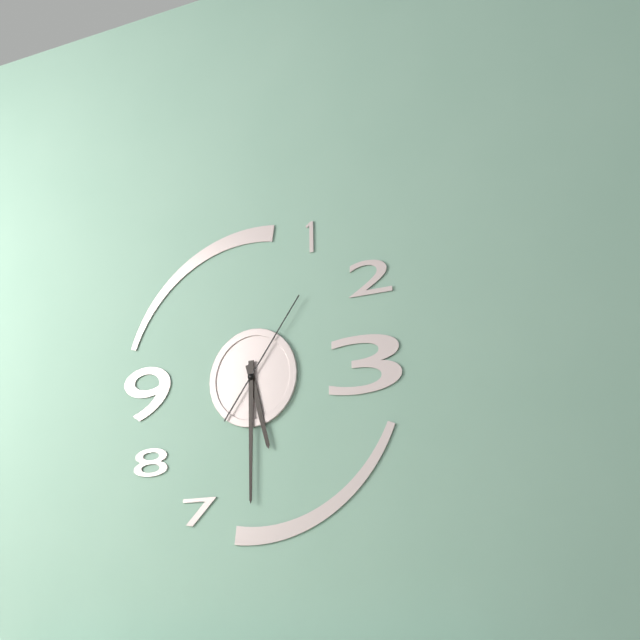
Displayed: **5:30:06**
